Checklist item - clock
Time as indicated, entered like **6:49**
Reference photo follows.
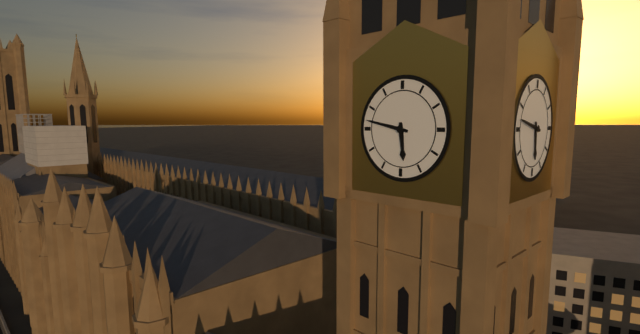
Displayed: **5:47**
